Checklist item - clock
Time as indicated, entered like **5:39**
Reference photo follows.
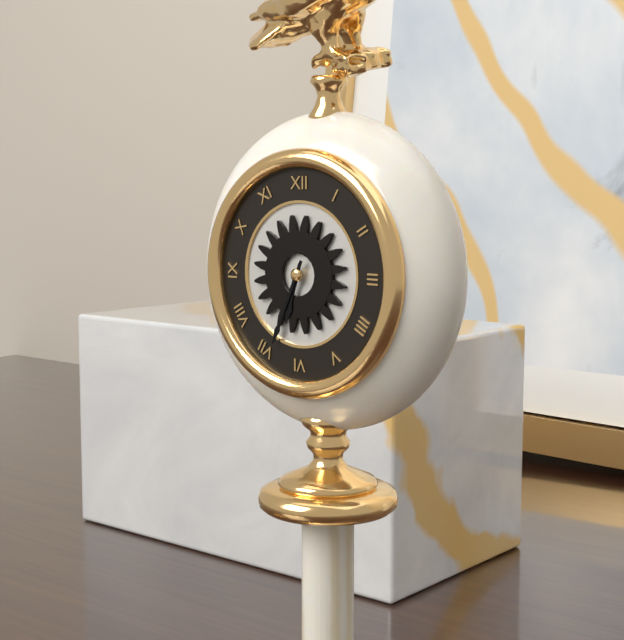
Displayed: **6:34**
